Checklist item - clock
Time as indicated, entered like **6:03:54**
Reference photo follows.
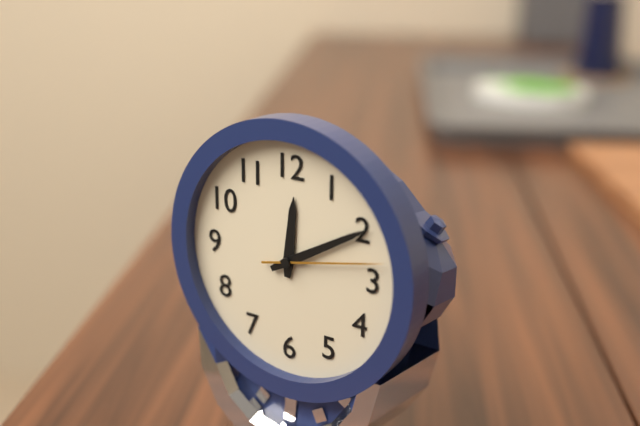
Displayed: **12:10:13**
